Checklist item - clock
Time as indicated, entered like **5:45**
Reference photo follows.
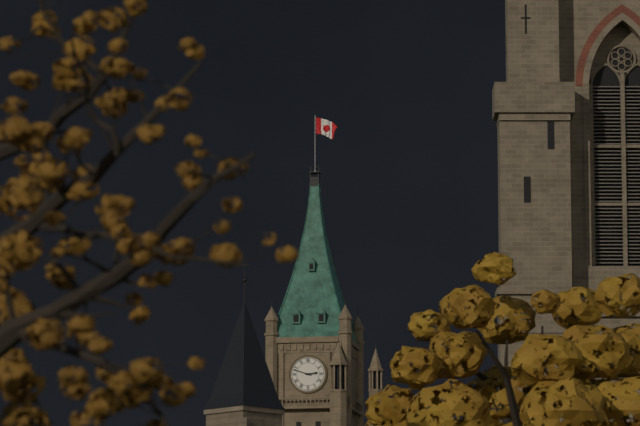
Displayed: **2:48**
